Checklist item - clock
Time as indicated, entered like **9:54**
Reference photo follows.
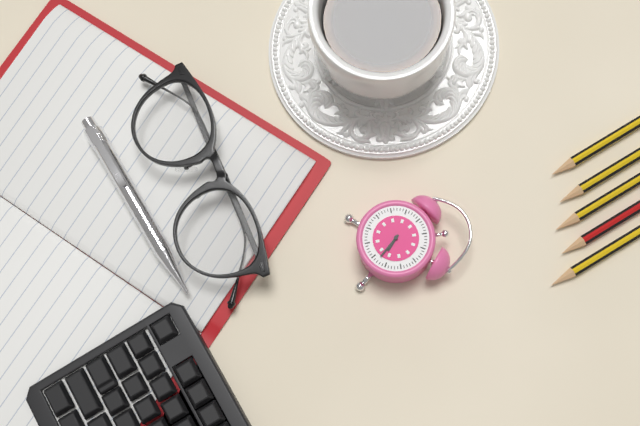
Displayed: **4:23**
